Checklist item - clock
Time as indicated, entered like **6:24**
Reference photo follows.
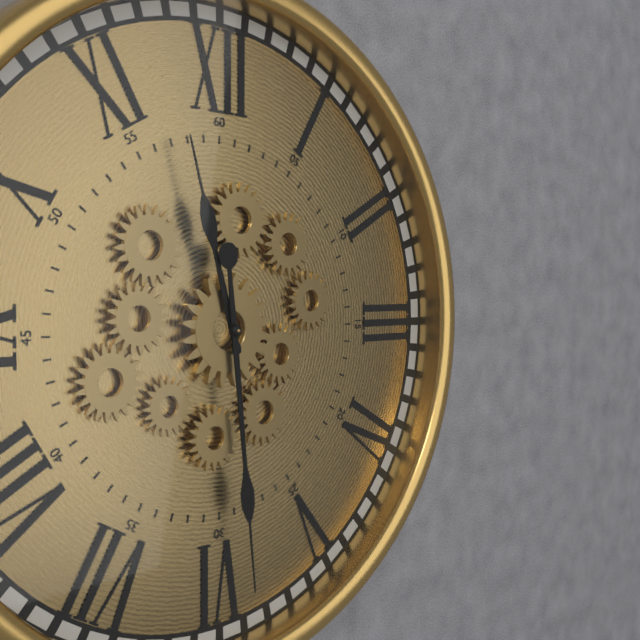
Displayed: **11:29**
